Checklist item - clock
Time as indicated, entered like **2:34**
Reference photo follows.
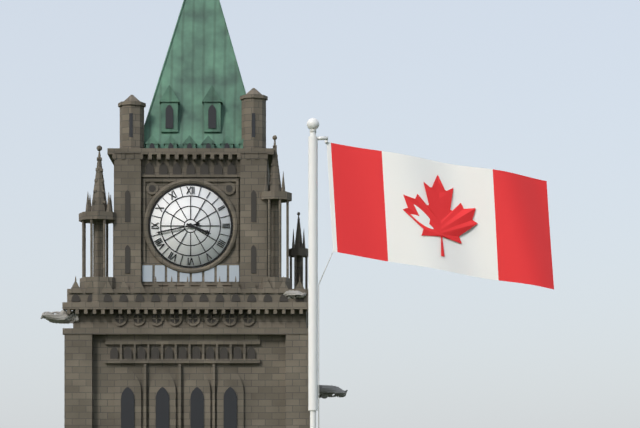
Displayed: **3:43**
